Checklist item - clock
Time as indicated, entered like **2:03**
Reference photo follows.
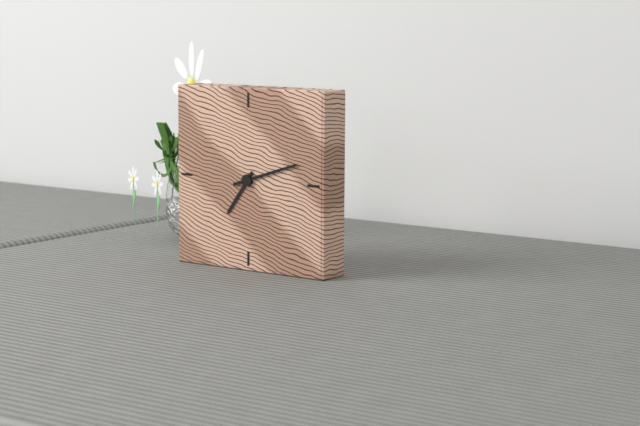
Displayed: **7:12**
